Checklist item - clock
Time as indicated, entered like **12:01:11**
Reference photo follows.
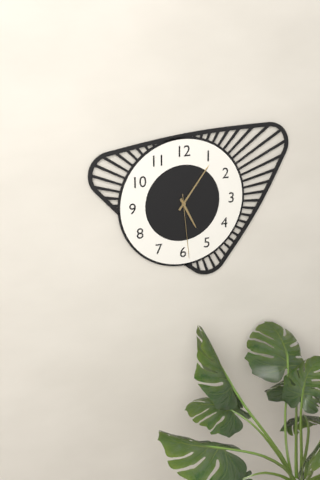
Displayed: **5:06:29**
